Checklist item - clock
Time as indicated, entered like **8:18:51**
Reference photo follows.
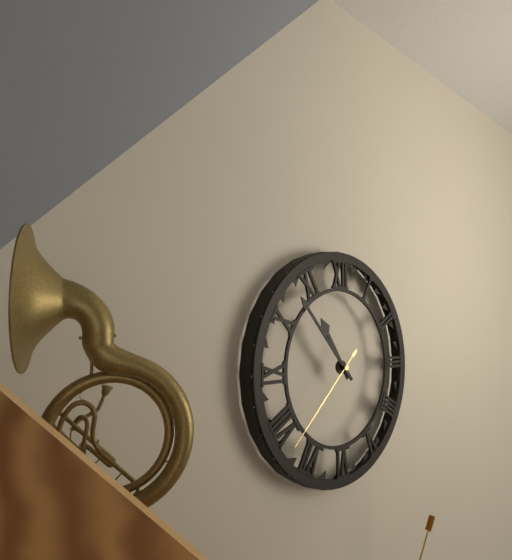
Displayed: **10:53:38**
